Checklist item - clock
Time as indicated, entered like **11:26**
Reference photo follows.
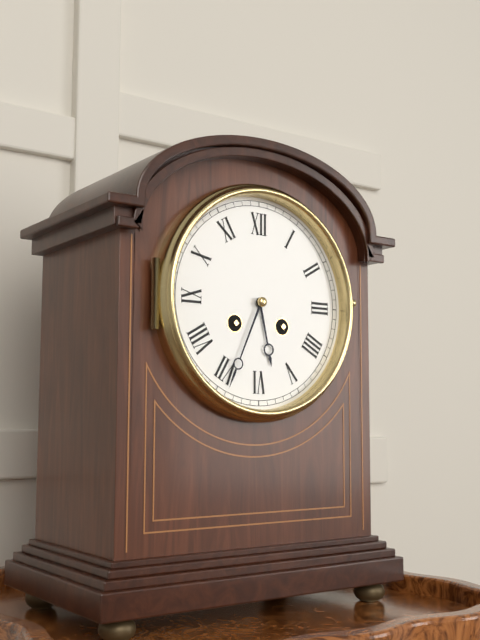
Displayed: **5:34**
